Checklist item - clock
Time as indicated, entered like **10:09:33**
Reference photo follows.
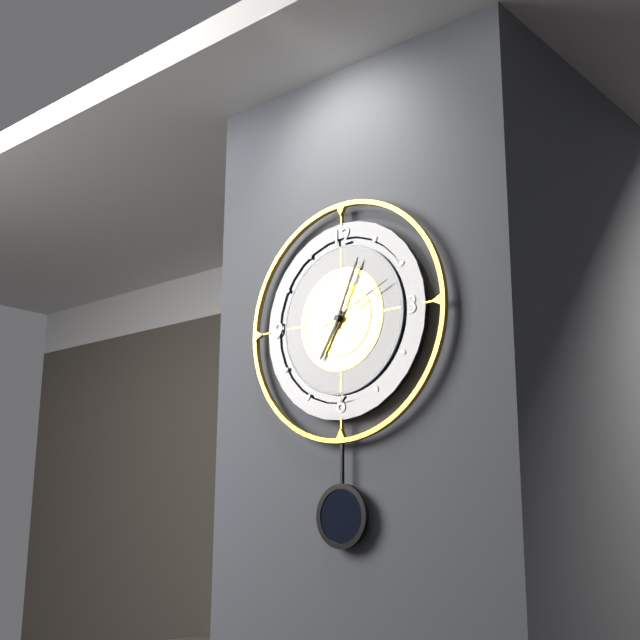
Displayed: **7:04:11**
